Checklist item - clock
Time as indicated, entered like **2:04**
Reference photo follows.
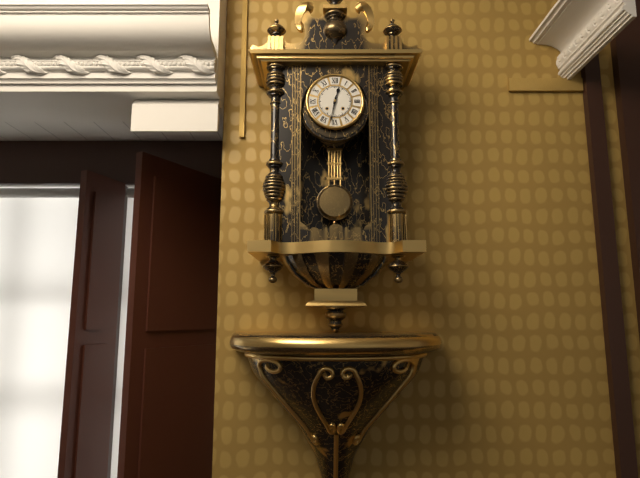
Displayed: **12:32**
